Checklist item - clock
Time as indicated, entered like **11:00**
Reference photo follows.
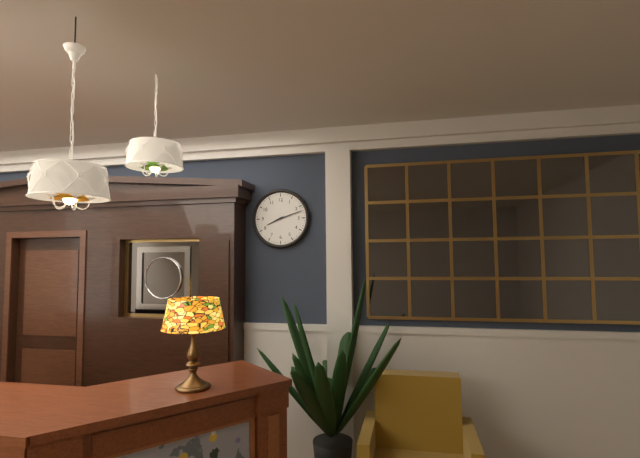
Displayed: **8:12**
